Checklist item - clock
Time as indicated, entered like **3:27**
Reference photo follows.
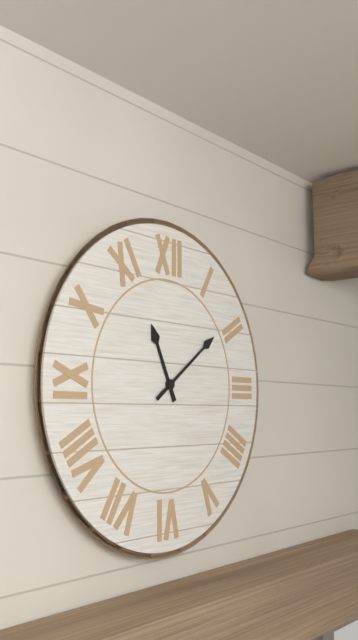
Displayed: **11:09**
